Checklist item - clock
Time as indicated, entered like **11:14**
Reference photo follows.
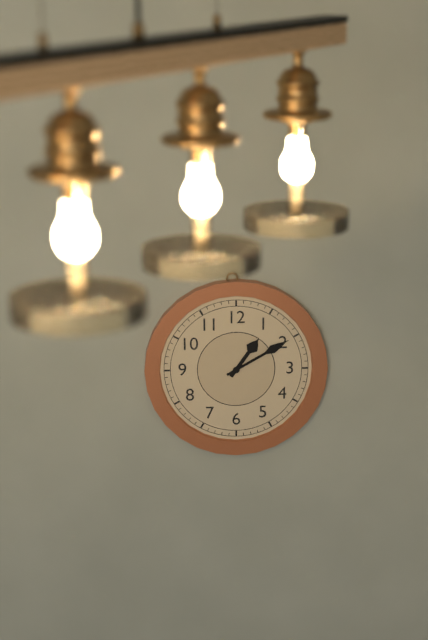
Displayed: **1:10**
